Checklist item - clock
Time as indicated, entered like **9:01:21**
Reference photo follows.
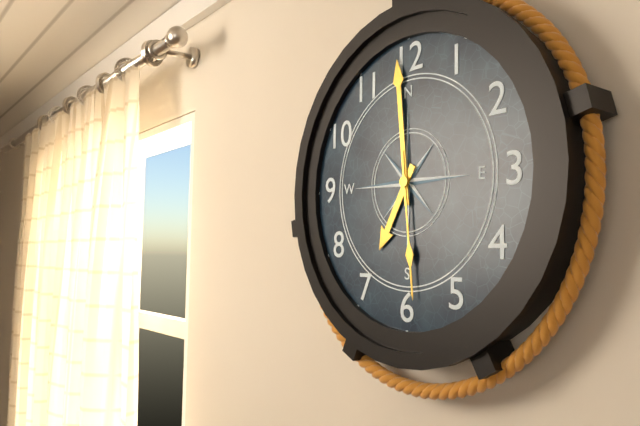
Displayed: **6:59:29**
